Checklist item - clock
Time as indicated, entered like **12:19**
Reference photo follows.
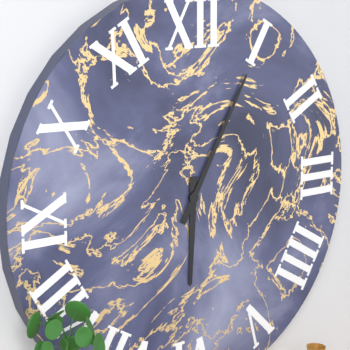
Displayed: **6:05**
